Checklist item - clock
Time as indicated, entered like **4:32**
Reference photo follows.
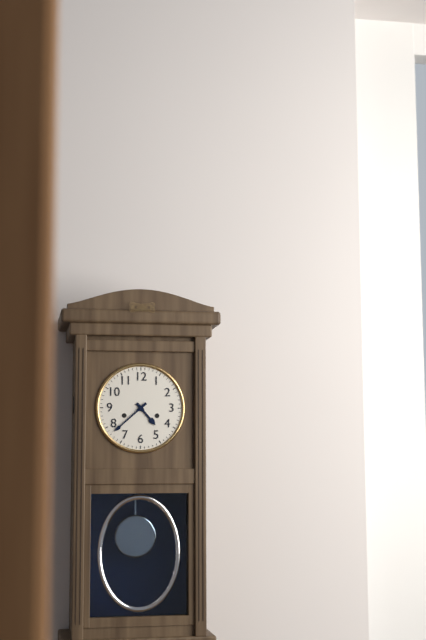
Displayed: **4:38**
